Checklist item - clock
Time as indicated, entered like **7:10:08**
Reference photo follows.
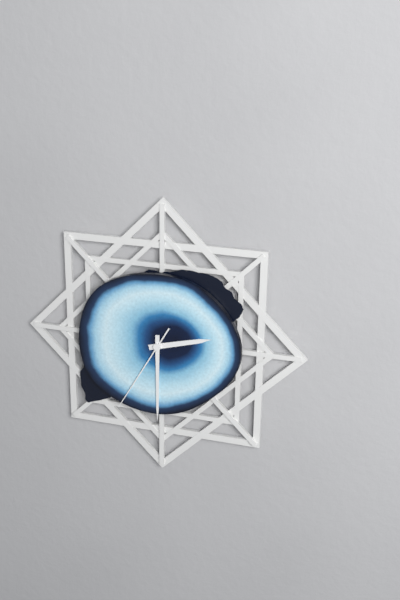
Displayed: **2:30:35**
